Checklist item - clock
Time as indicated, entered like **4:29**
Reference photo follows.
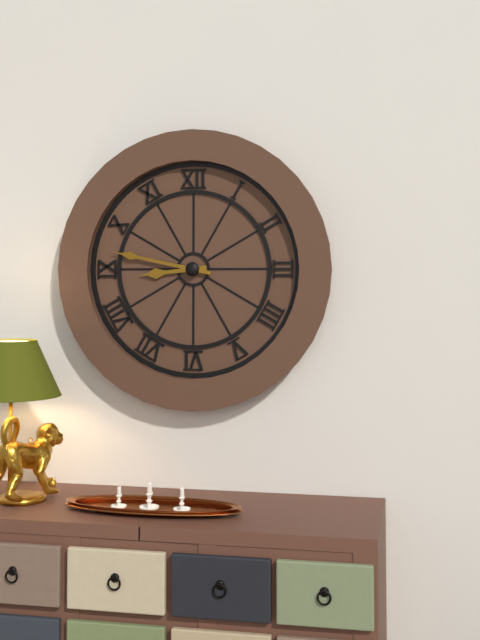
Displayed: **8:47**
